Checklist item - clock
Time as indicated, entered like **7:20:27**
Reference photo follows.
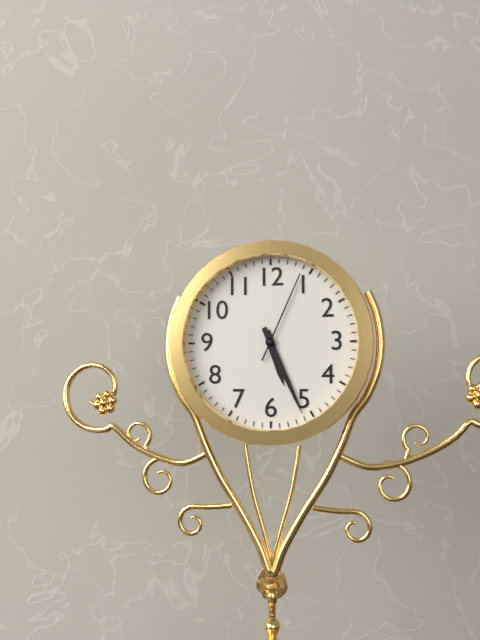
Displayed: **5:26:04**
